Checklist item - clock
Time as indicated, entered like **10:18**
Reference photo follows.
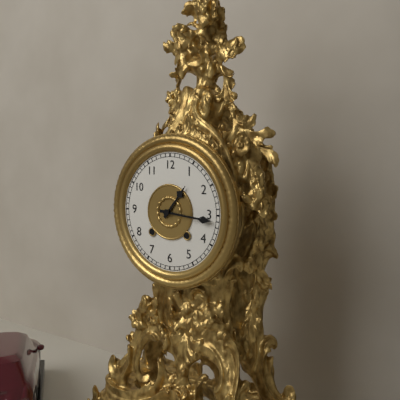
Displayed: **1:16**
